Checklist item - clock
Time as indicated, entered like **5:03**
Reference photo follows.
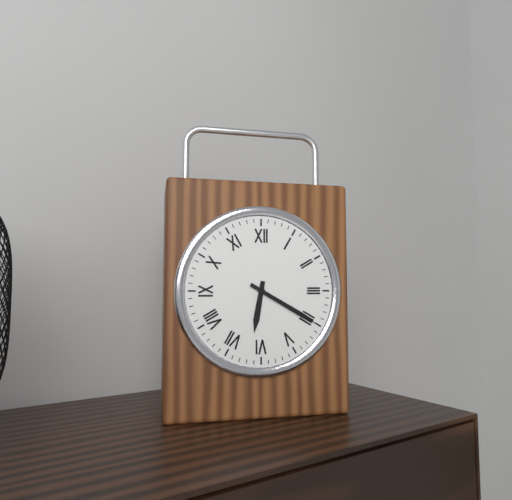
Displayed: **6:20**
